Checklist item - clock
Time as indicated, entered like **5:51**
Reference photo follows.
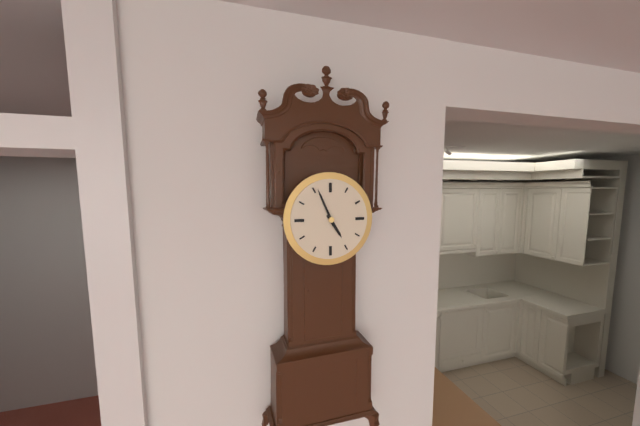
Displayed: **4:56**
